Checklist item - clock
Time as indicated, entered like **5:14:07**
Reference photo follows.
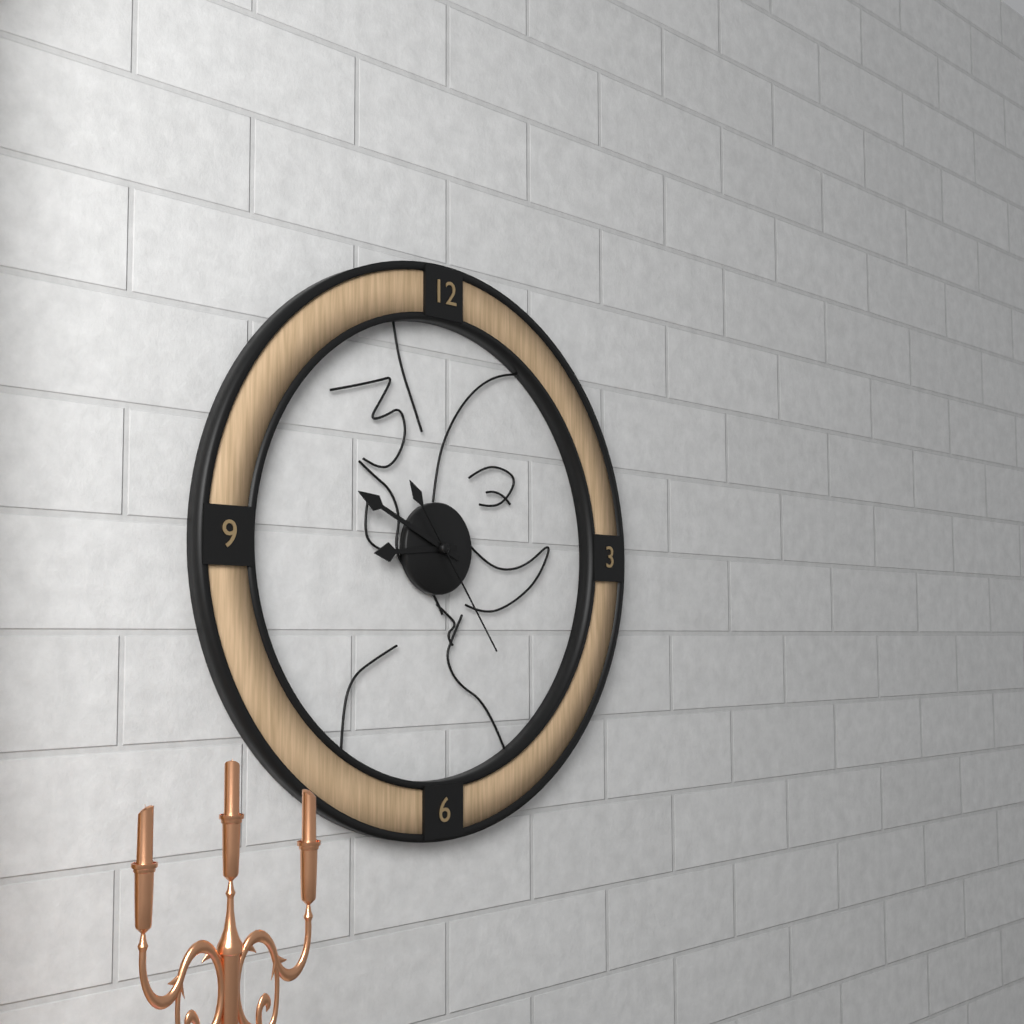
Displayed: **8:49:24**
